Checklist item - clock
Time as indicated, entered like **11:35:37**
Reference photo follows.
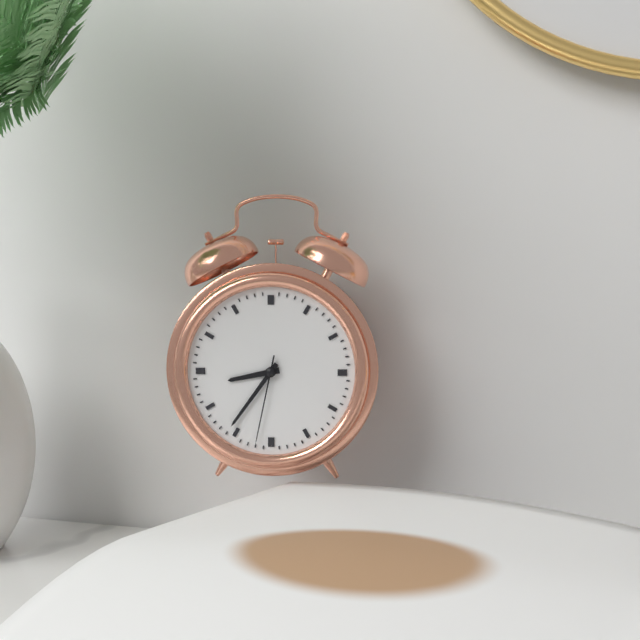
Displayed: **8:36:32**
